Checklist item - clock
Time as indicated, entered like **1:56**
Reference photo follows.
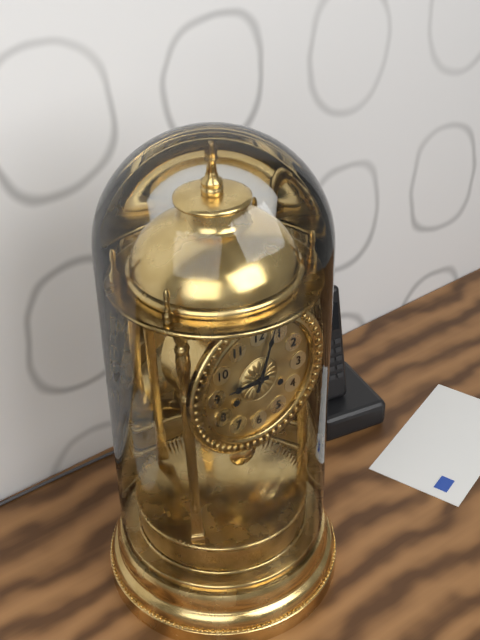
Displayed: **9:03**
